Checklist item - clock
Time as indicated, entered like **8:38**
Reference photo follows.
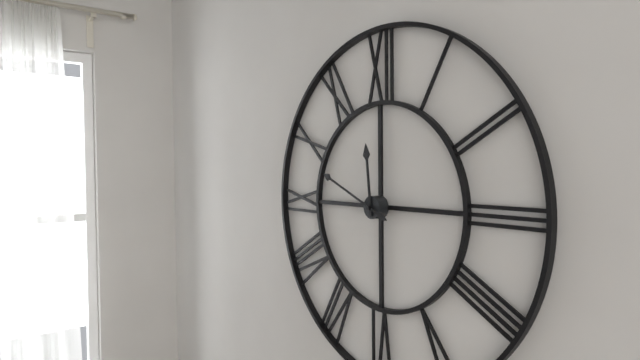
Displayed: **11:49**
